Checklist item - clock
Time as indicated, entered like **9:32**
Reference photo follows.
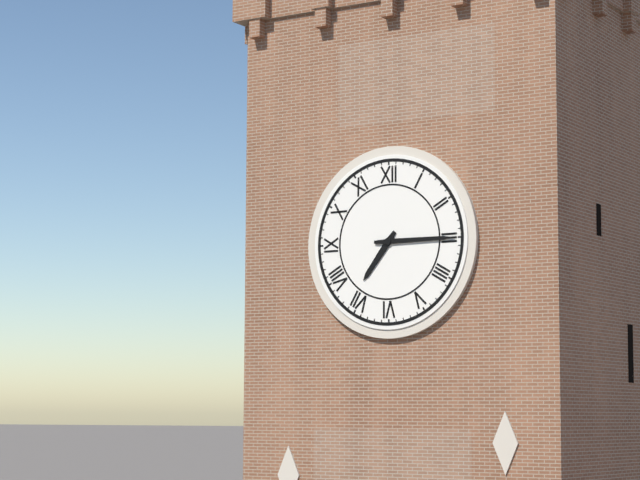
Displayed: **7:15**
